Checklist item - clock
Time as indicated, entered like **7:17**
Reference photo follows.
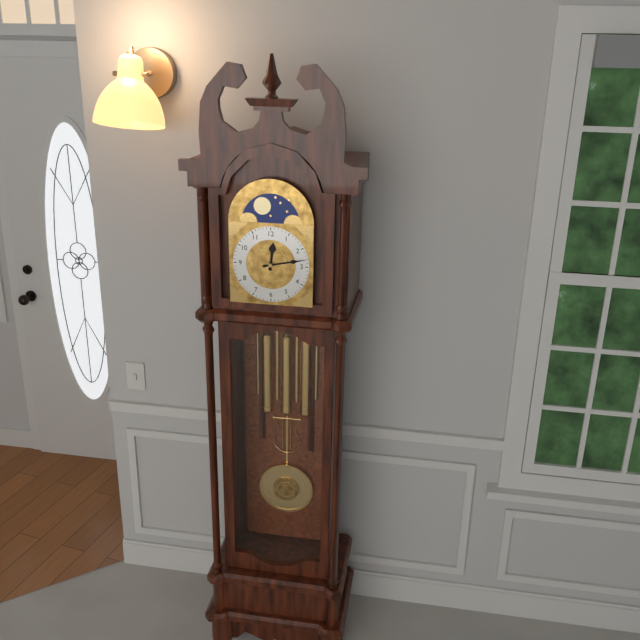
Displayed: **12:13**
